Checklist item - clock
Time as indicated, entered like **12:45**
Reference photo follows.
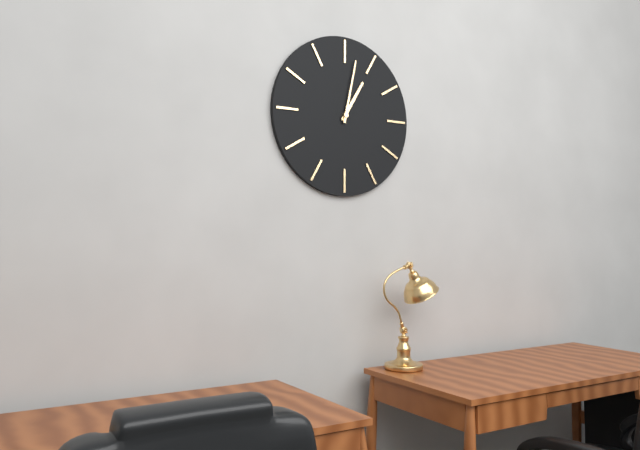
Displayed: **1:02**
